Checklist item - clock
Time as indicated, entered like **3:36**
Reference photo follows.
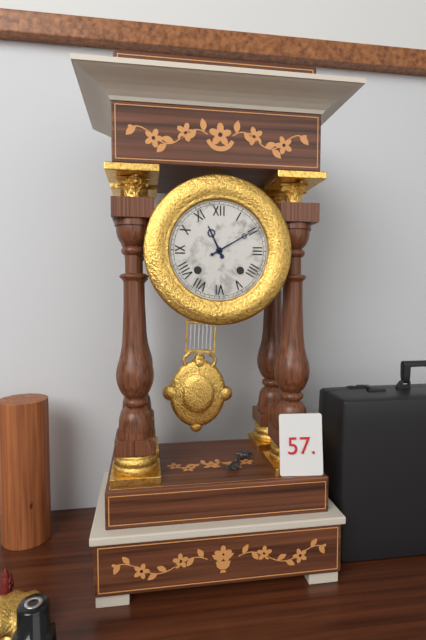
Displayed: **11:10**
